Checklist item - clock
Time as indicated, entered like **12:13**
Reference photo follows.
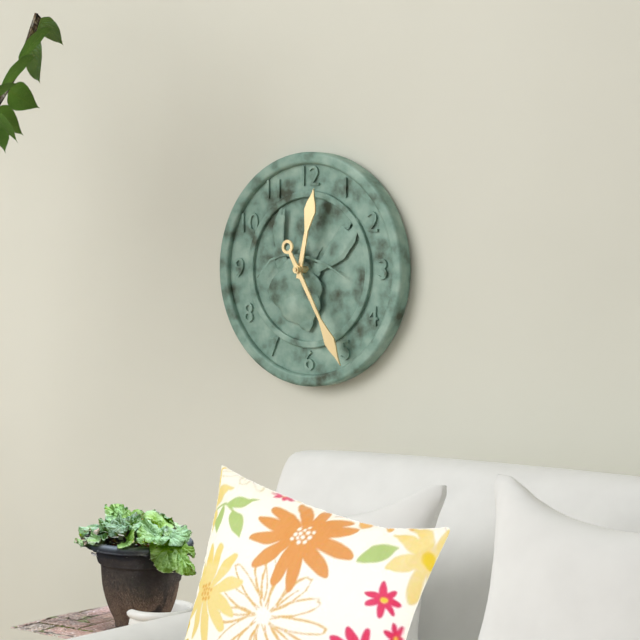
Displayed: **12:25**
